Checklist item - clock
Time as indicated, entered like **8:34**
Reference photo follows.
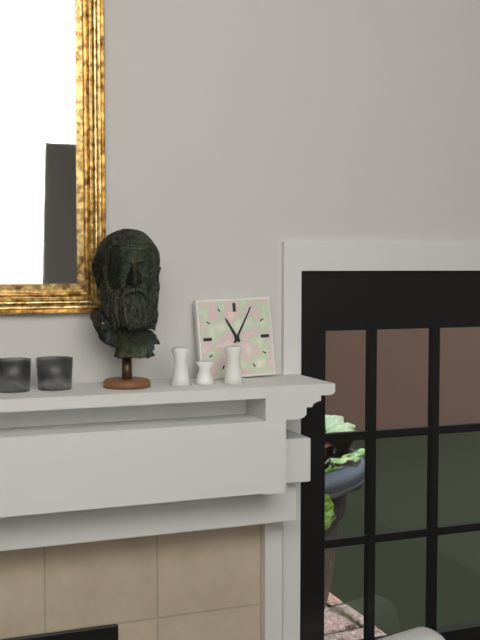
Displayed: **11:05**
